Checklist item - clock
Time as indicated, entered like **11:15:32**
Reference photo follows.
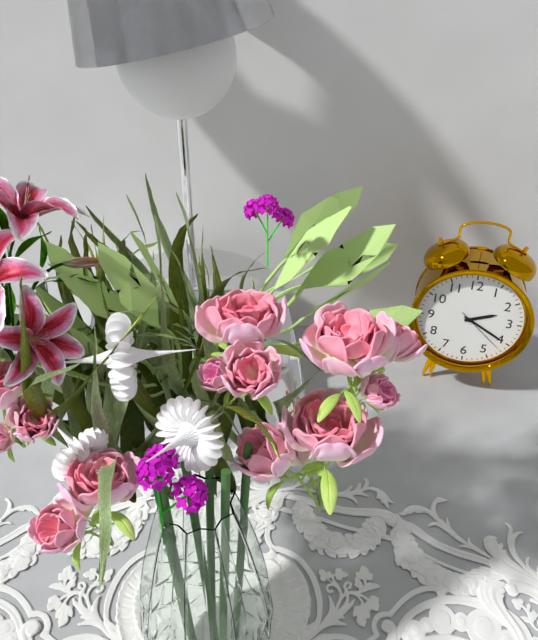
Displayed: **2:20:22**
